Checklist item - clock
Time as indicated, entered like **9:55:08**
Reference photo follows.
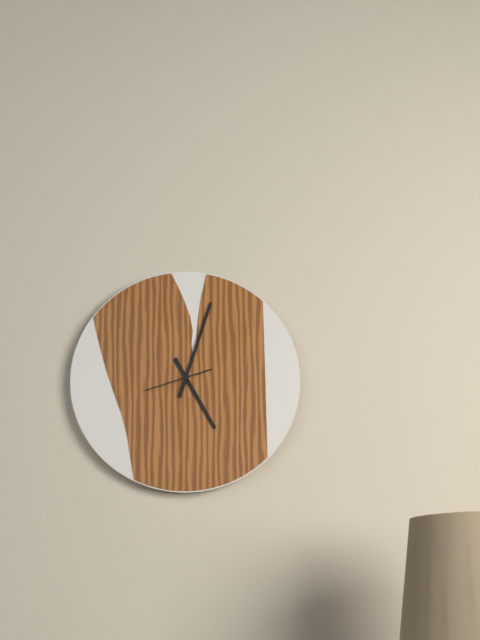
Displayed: **5:03:42**
